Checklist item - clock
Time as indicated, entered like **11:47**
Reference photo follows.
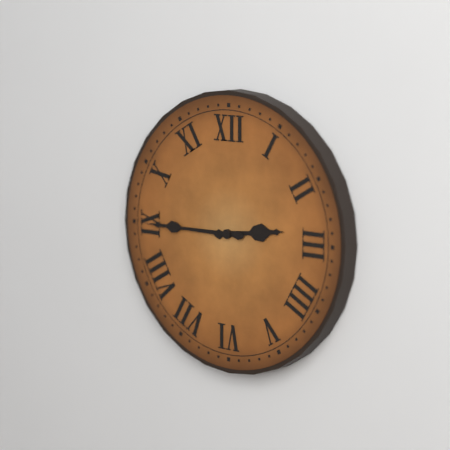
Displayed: **2:45**
